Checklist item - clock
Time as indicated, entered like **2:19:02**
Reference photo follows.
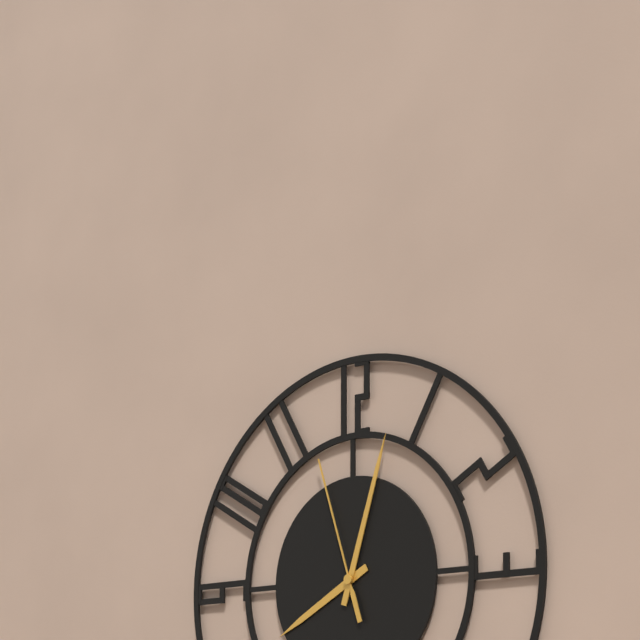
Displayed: **8:03:57**
